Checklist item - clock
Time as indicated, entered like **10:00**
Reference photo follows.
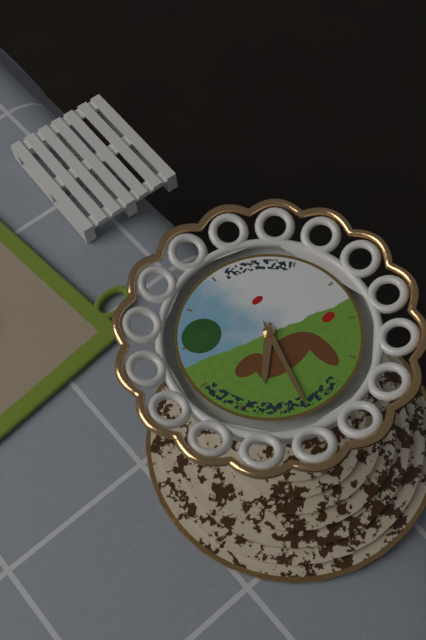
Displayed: **7:33**
